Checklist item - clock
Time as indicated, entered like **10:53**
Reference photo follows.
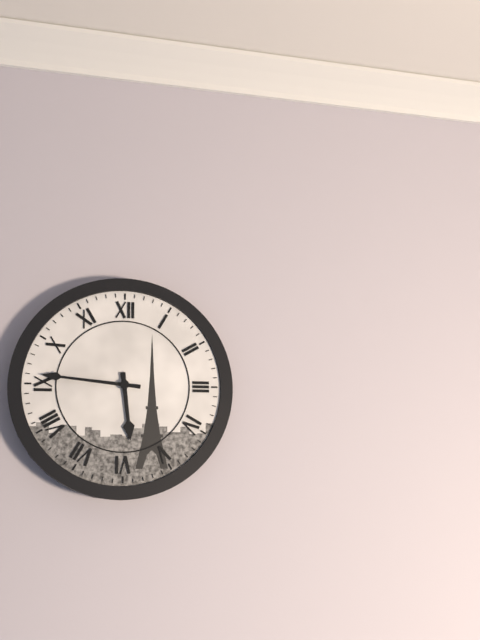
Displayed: **5:46**
